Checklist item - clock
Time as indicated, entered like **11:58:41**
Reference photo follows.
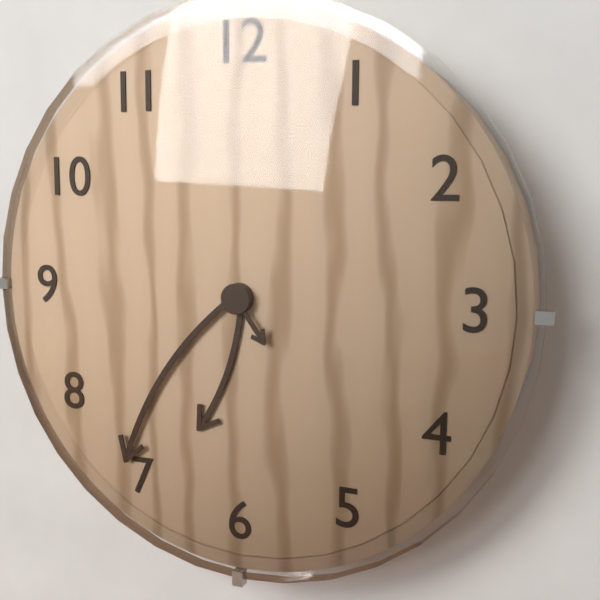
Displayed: **6:36:24**
